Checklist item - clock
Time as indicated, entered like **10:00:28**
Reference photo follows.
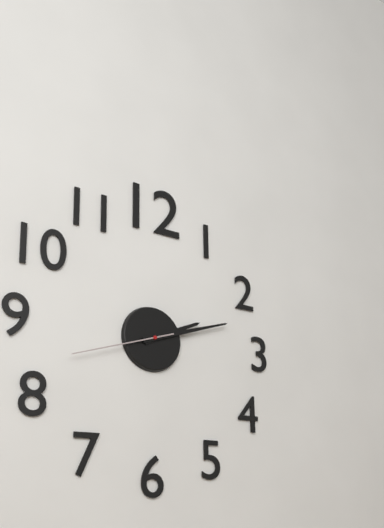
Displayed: **2:12:42**
